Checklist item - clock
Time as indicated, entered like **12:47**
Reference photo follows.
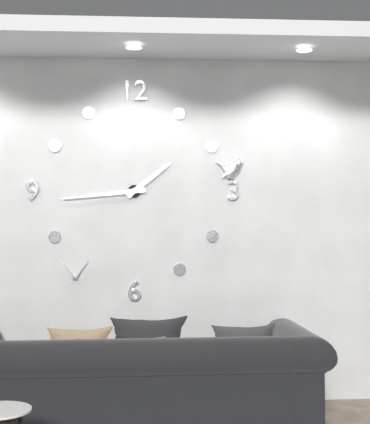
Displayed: **1:44**
